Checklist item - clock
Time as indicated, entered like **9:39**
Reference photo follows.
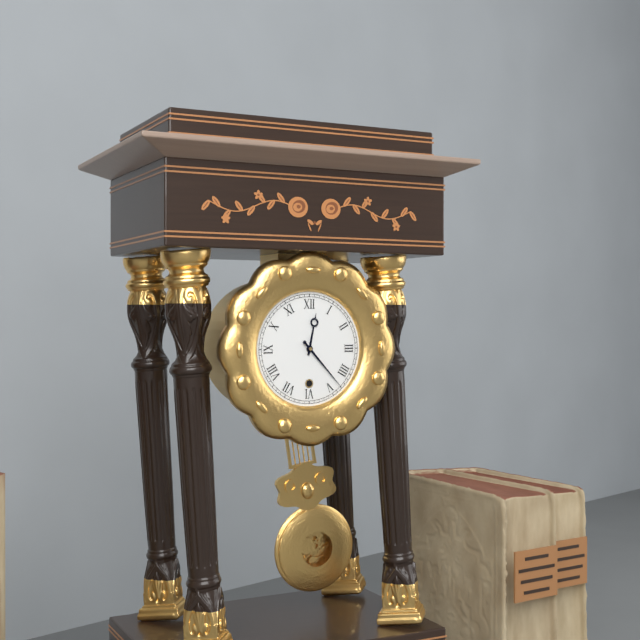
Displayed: **12:23**
